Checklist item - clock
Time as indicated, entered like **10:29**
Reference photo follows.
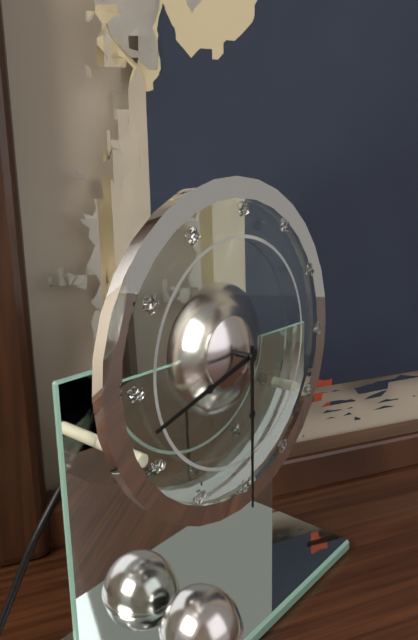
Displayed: **8:30**
